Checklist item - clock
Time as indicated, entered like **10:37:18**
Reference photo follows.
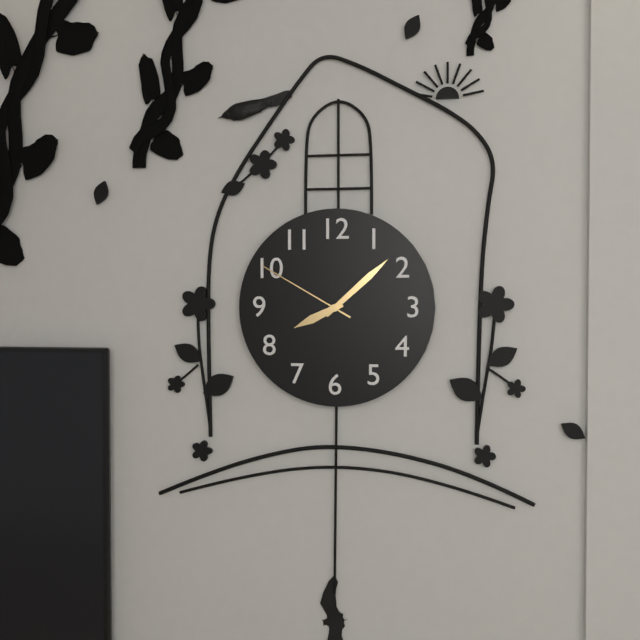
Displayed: **8:08:50**
